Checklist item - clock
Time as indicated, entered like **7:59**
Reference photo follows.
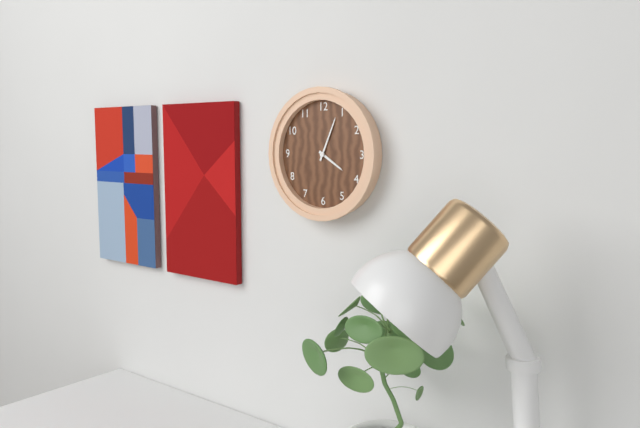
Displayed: **4:04**
